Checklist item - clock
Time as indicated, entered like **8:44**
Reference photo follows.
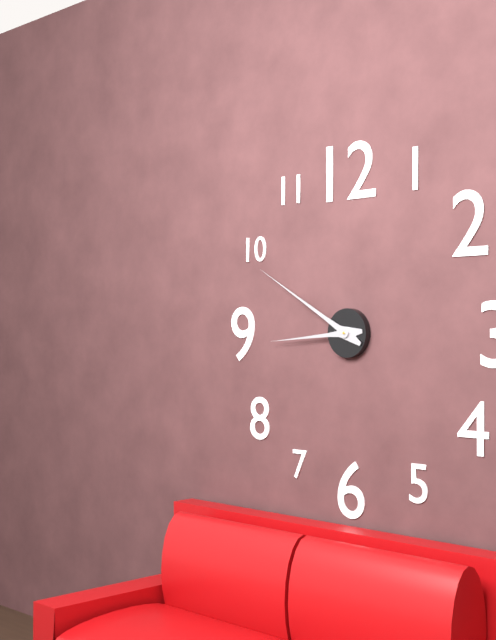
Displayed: **8:50**
